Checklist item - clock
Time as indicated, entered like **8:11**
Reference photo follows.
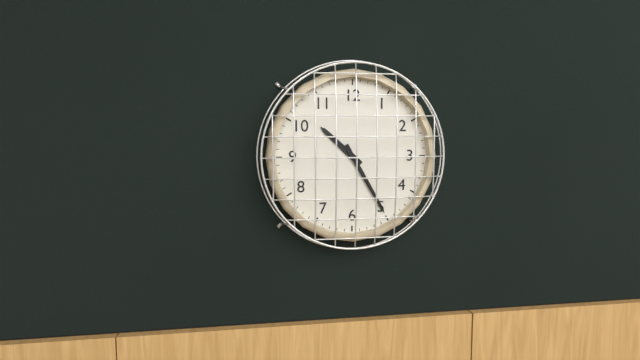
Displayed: **10:25**
